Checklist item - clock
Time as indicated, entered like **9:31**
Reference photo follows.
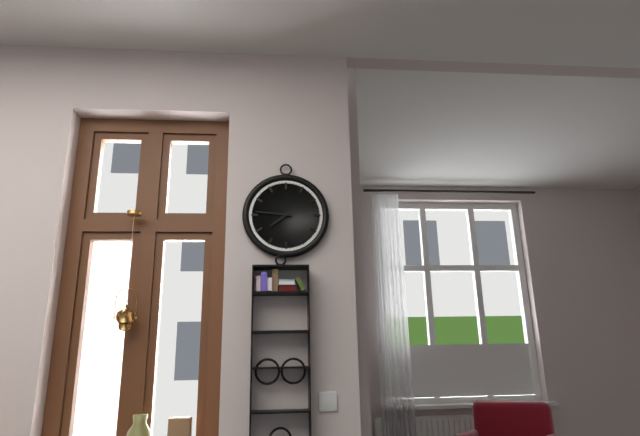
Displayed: **7:46**
